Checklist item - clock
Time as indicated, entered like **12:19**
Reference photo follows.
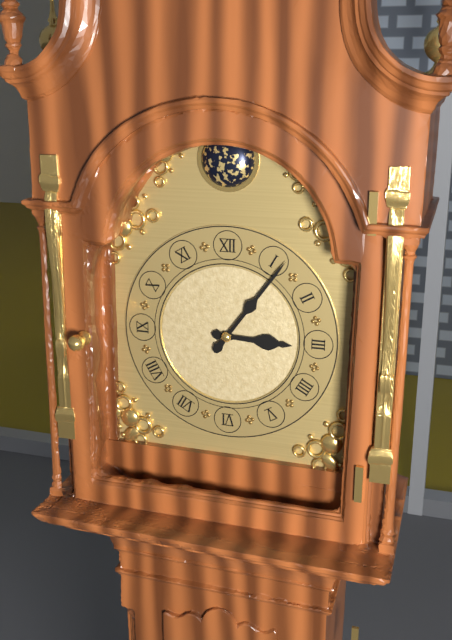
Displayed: **3:06**
